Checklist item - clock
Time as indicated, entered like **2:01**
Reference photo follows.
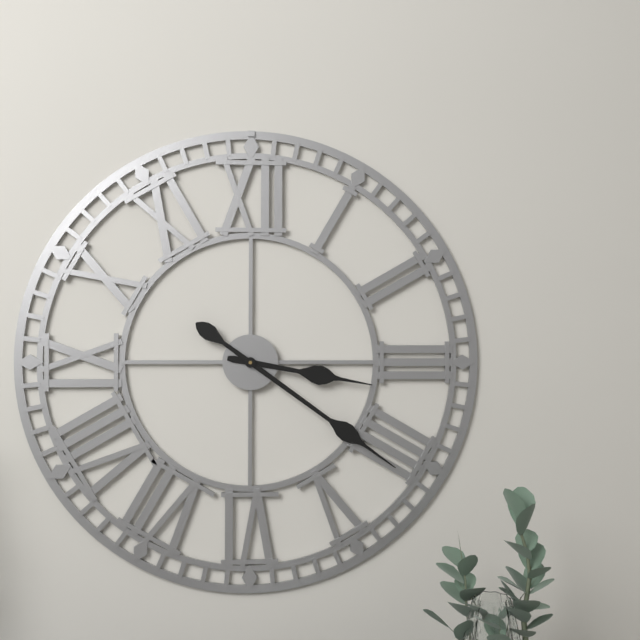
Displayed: **3:21**
